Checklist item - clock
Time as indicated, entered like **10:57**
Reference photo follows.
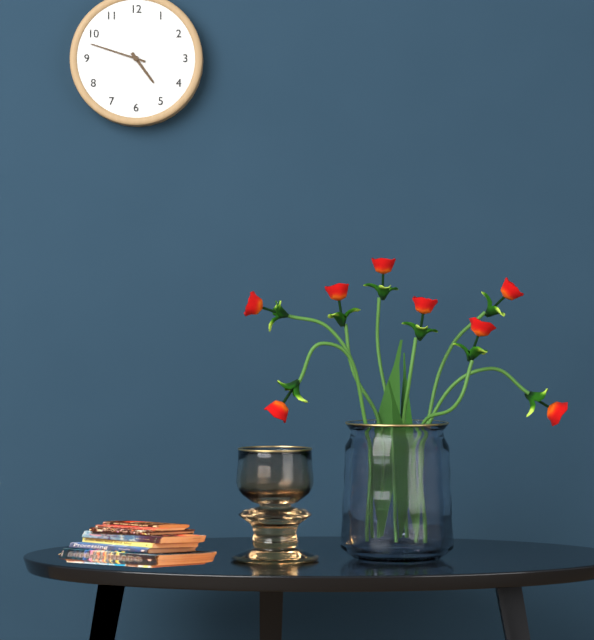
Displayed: **4:48**
